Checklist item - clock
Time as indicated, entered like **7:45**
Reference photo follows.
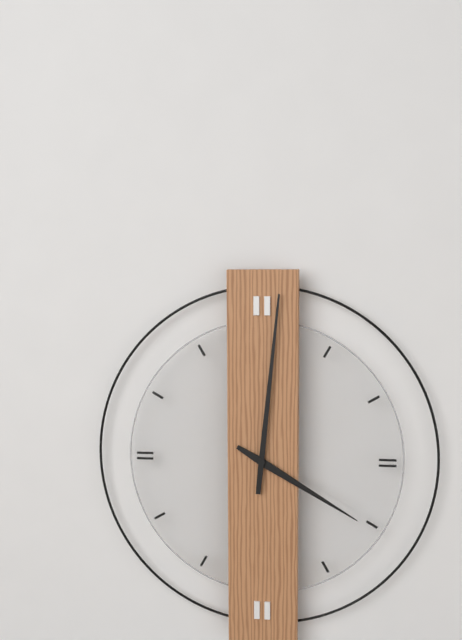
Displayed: **4:01**
